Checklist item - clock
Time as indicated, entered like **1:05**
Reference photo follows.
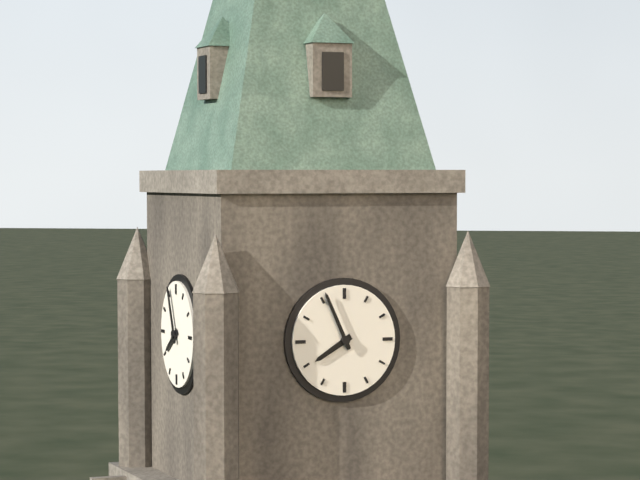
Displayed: **7:56**
